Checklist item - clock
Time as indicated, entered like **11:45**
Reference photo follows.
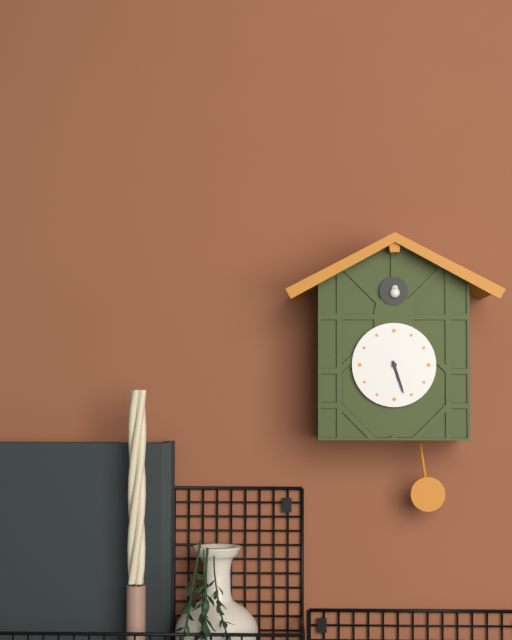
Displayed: **5:27**
